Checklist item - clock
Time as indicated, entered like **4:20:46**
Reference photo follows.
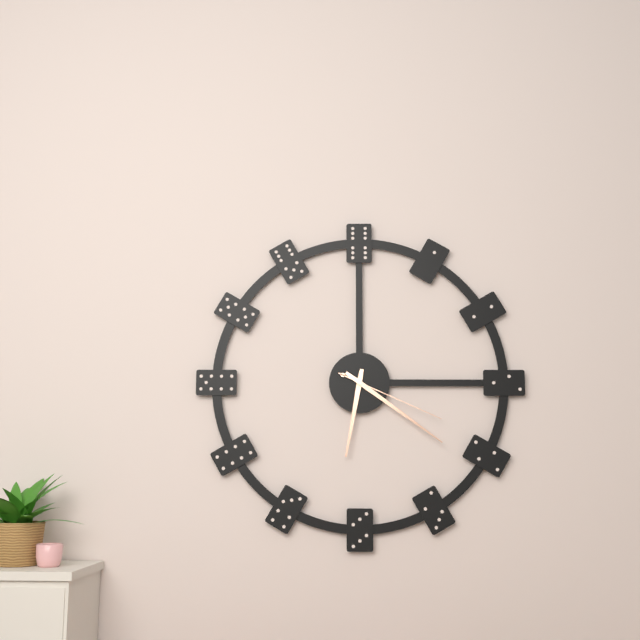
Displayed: **6:21:19**
